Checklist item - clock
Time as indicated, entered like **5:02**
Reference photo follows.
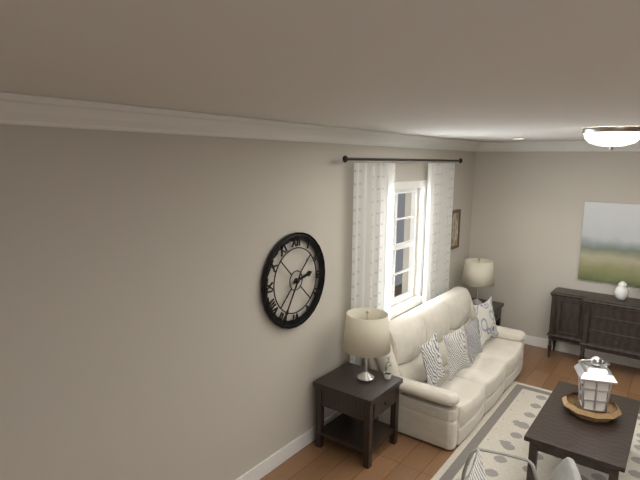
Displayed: **2:35**
